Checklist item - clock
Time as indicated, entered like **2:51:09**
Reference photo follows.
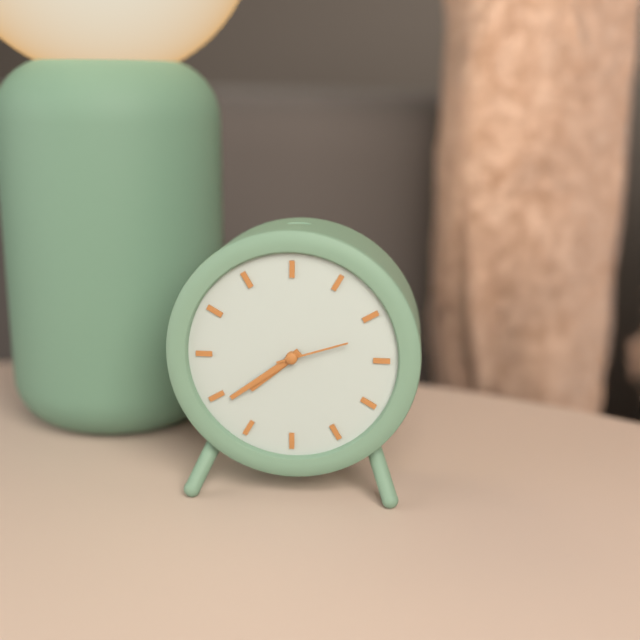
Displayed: **7:39:12**
